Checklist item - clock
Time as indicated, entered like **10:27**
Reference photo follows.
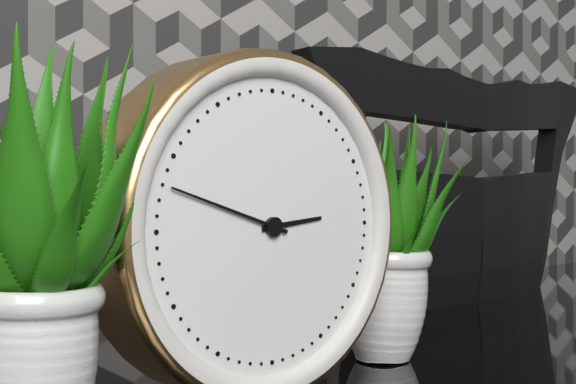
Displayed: **2:48**
